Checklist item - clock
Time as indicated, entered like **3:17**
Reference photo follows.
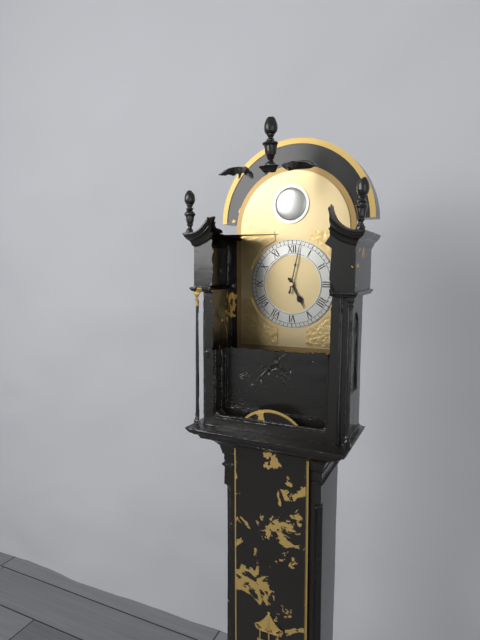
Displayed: **5:02**
